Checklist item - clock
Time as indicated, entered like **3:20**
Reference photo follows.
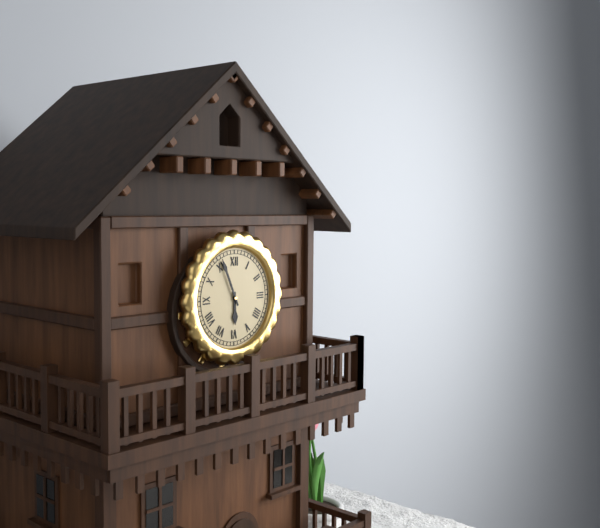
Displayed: **5:56**
